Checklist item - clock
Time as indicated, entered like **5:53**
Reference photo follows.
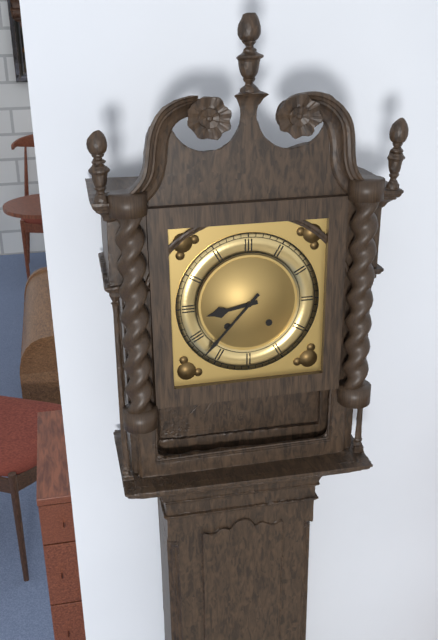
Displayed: **8:37**
